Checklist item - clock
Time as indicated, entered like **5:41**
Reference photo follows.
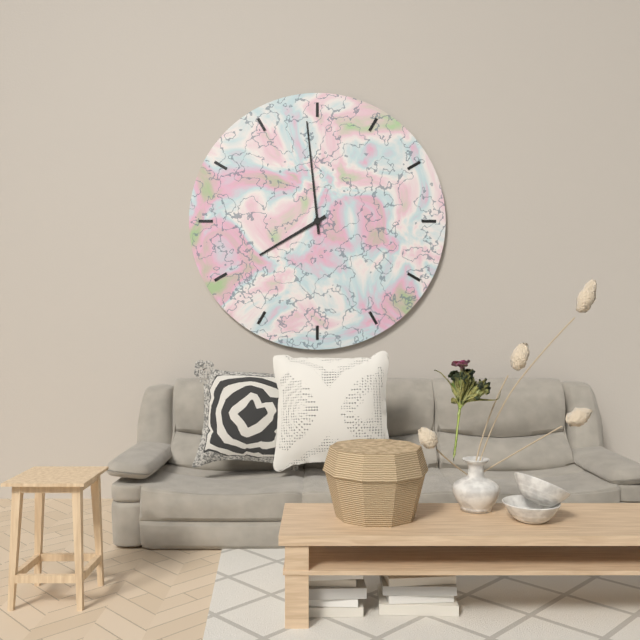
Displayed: **7:59**
